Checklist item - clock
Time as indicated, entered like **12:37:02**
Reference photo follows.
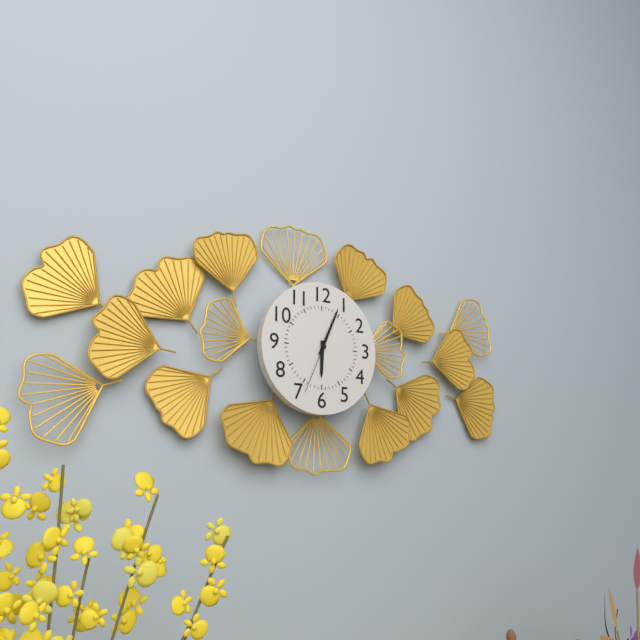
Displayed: **6:04:34**
